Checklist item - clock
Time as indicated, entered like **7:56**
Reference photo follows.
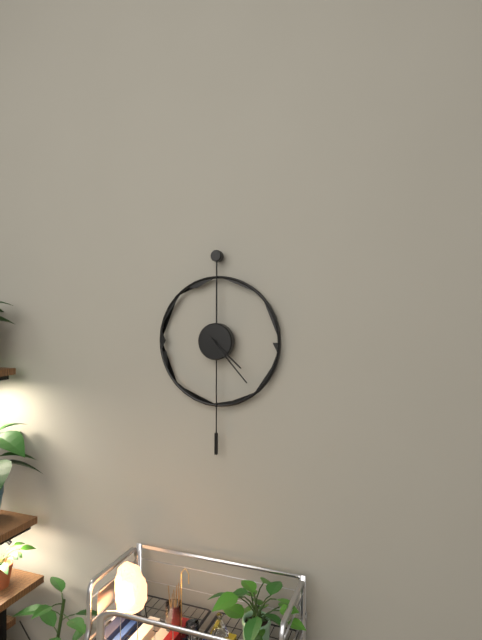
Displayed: **4:23**
